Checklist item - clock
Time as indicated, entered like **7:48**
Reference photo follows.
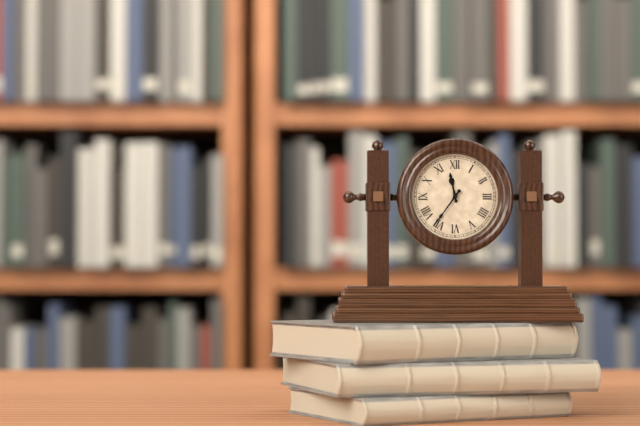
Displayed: **11:36**
